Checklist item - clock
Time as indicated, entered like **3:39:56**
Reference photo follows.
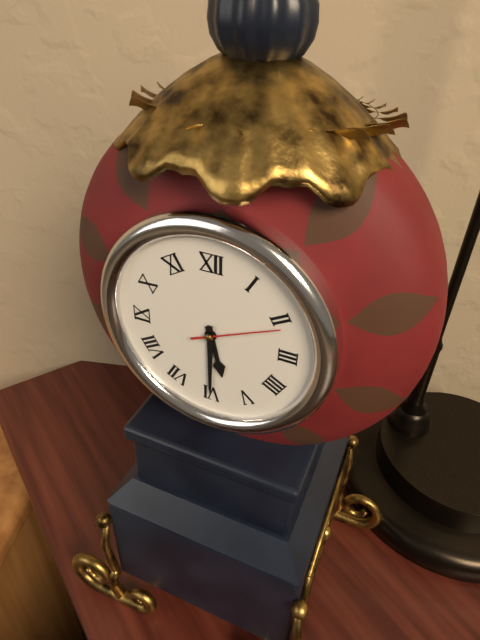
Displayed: **5:30:11**
